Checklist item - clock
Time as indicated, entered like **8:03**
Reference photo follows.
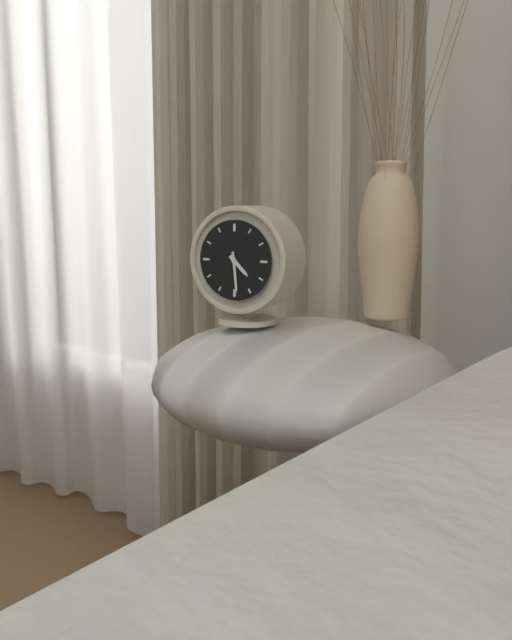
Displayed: **4:29**
